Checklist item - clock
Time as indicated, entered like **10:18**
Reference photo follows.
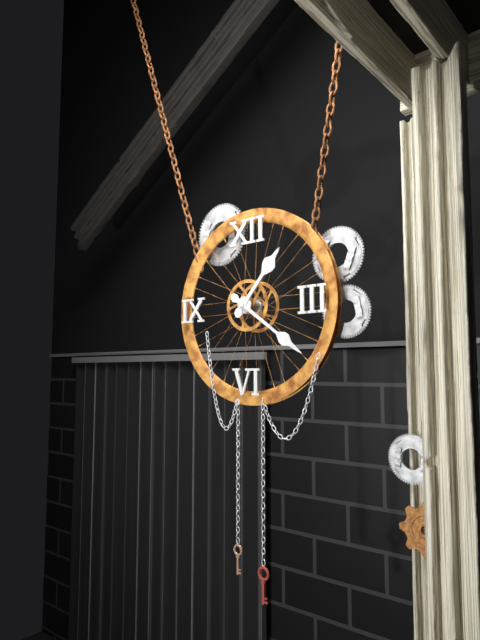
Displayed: **1:21**
